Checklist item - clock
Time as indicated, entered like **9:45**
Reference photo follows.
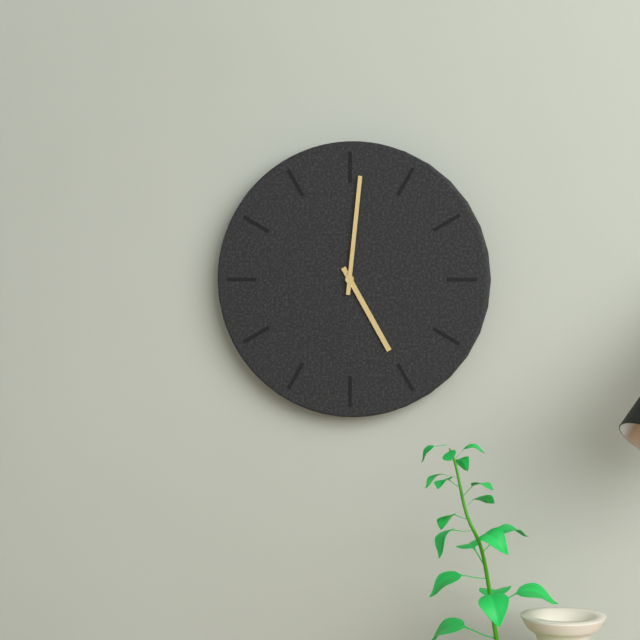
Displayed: **5:01**
